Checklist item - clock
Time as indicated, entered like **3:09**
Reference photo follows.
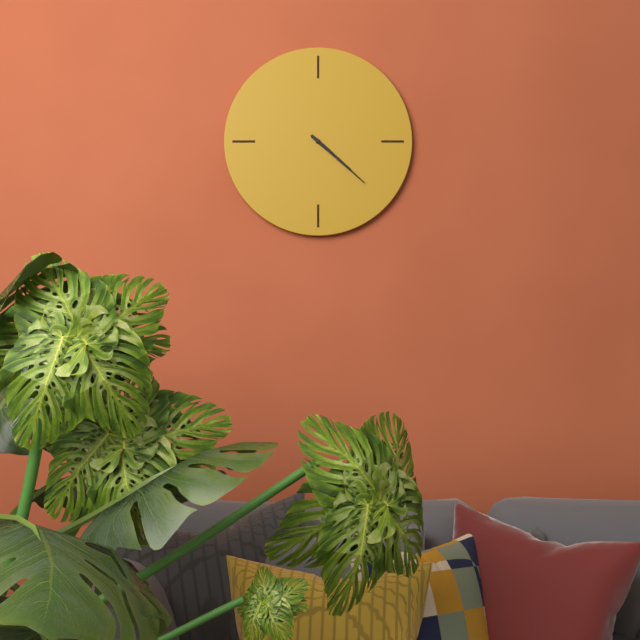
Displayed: **4:22**
